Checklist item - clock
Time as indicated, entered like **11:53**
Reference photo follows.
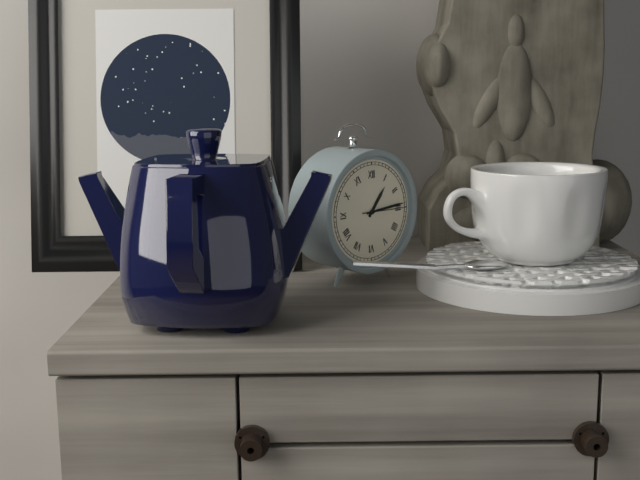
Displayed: **1:14**
